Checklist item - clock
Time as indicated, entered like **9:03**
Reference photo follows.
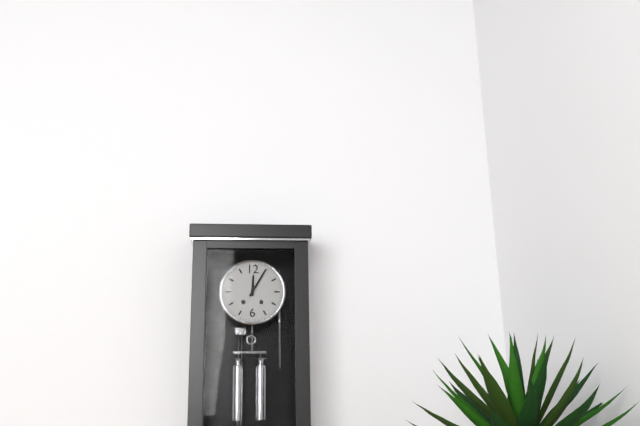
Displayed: **12:05**
